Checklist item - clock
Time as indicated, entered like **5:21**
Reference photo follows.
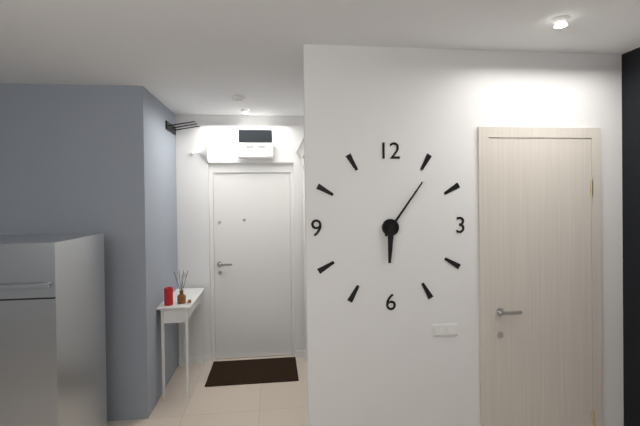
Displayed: **6:06**
